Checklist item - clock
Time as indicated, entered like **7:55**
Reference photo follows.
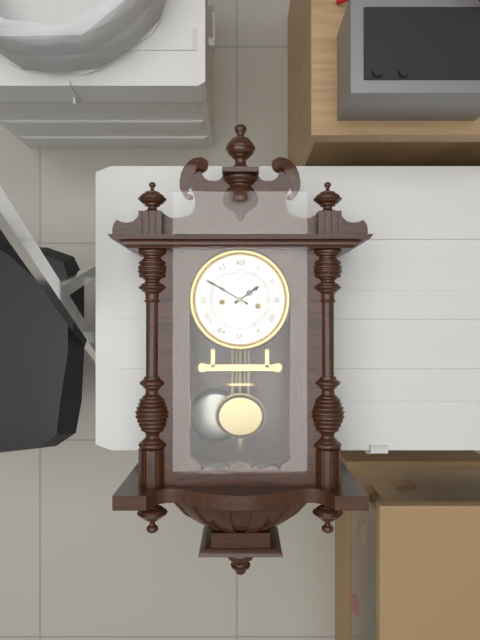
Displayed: **1:50**
